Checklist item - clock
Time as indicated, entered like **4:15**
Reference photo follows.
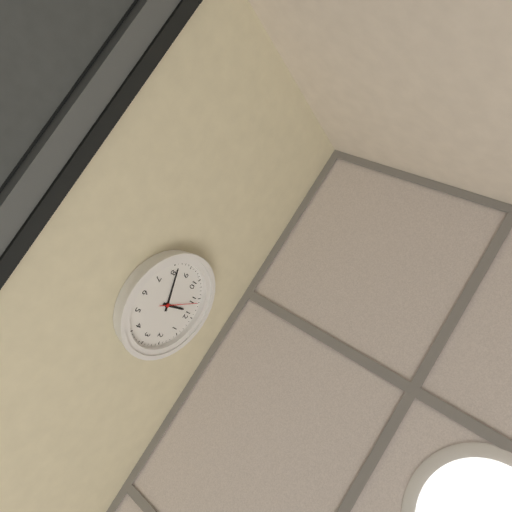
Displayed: **11:41**
